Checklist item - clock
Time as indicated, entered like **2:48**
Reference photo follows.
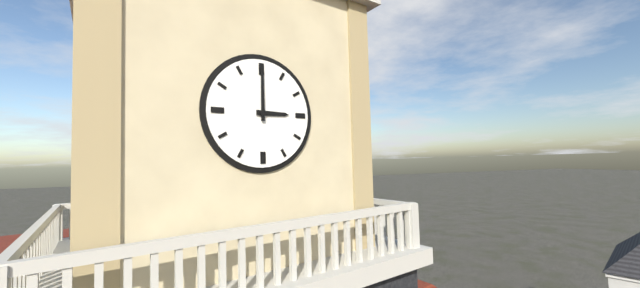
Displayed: **3:00**
